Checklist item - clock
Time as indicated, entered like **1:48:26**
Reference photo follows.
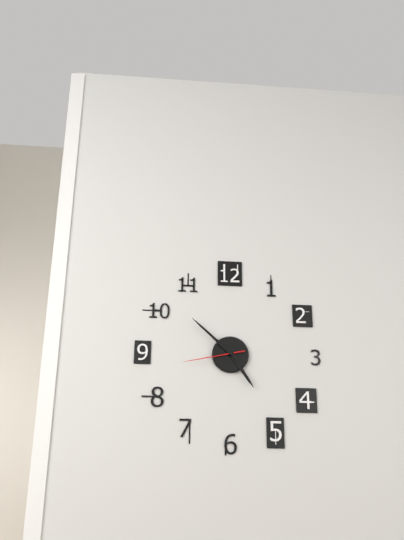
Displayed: **4:52:43**
